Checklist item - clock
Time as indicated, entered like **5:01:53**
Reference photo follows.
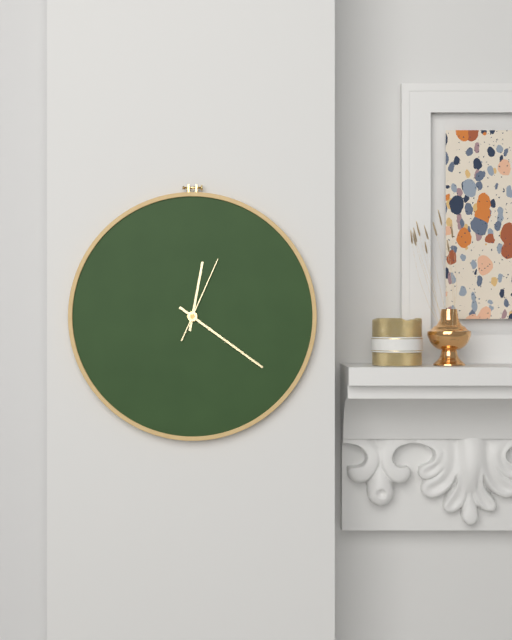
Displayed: **12:21:04**
